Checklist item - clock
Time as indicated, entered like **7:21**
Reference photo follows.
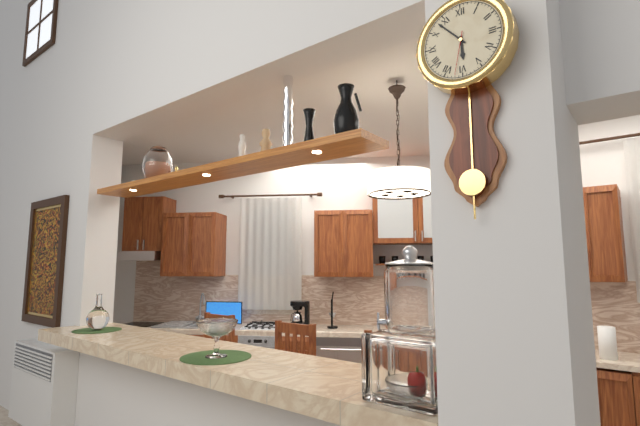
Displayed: **5:53**
